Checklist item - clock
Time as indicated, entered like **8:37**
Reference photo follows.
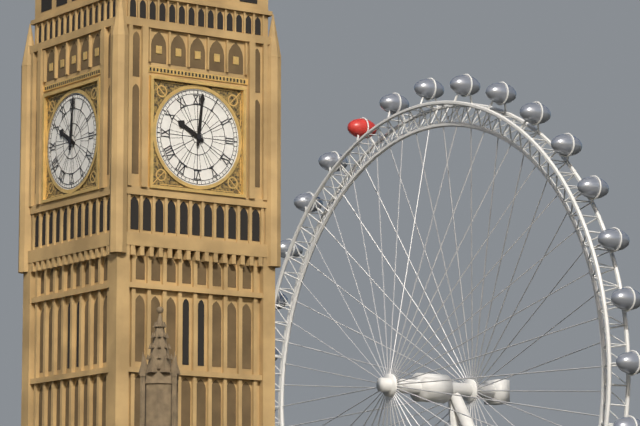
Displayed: **10:01**
